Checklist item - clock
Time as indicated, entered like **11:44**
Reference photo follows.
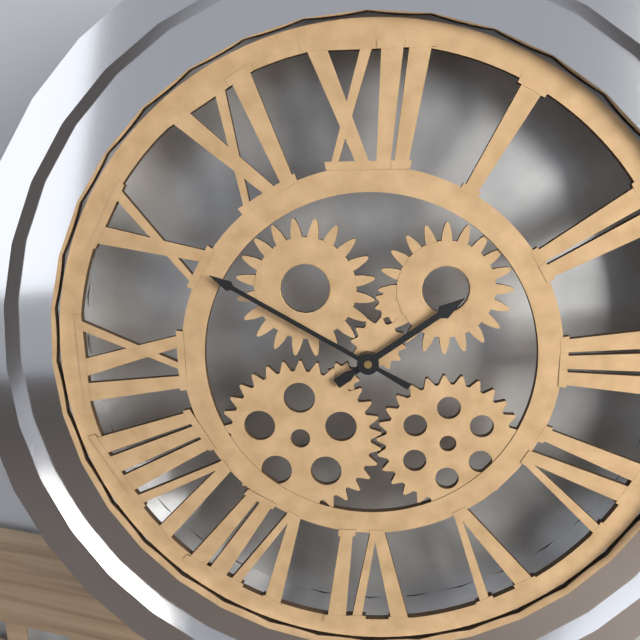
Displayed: **1:50**
